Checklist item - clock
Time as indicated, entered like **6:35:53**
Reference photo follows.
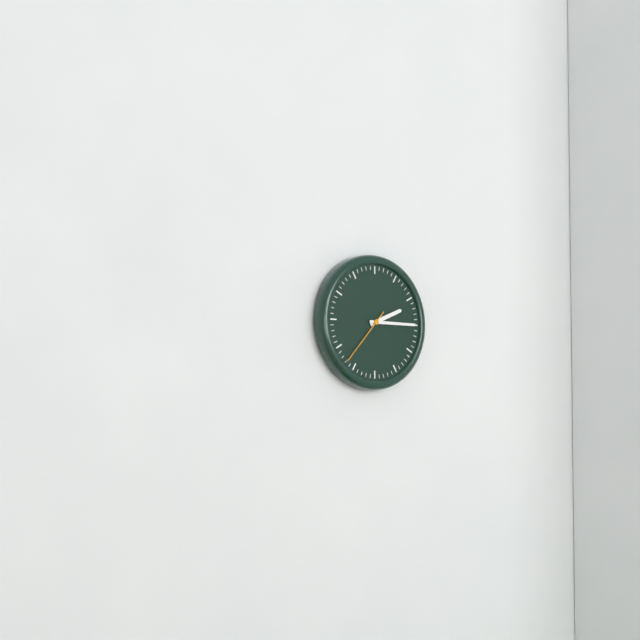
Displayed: **2:15:37**
